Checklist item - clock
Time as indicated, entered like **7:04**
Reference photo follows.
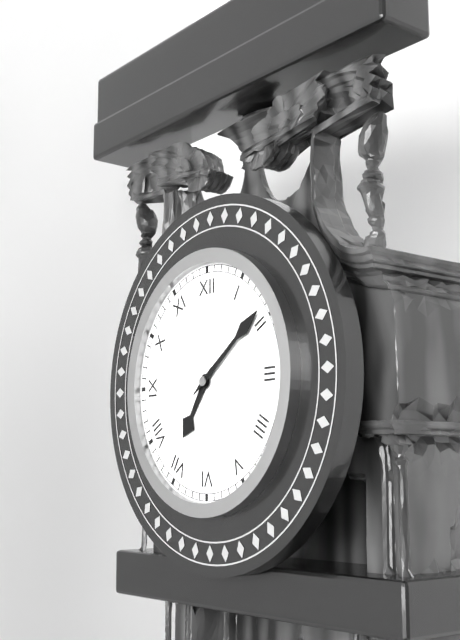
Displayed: **7:09**
